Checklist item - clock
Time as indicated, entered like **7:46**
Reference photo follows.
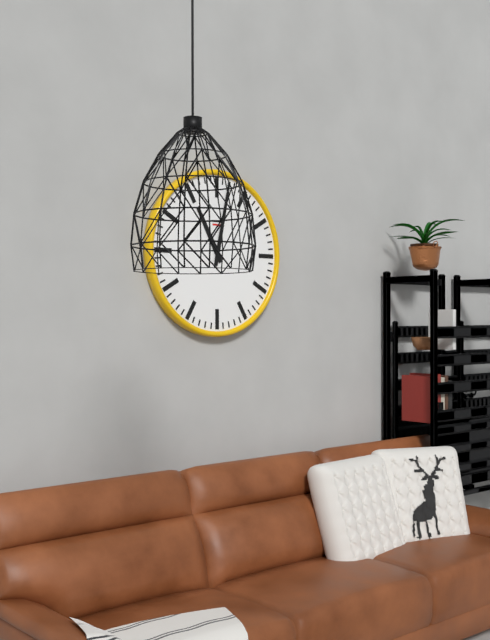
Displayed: **11:02**
